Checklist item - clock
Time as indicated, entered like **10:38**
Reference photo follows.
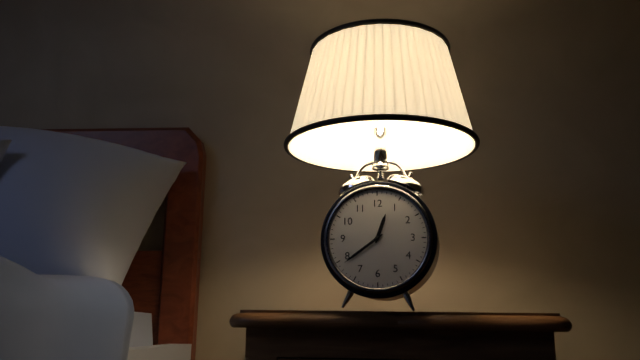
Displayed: **12:39**
